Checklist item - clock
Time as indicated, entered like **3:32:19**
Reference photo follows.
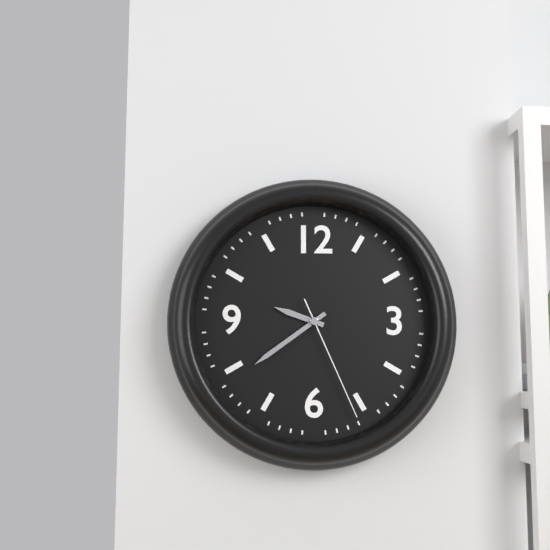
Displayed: **9:39:26**
